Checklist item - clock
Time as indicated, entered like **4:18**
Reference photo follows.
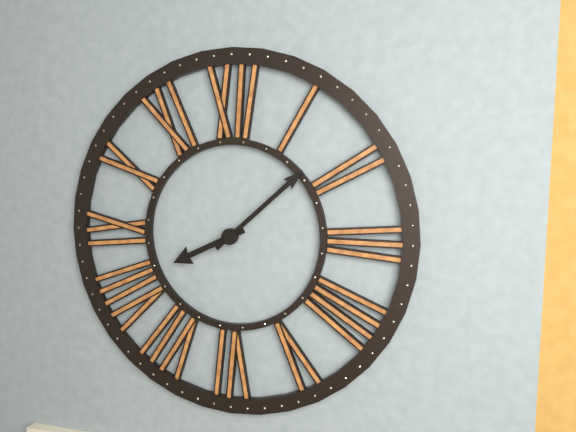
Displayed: **8:08**
